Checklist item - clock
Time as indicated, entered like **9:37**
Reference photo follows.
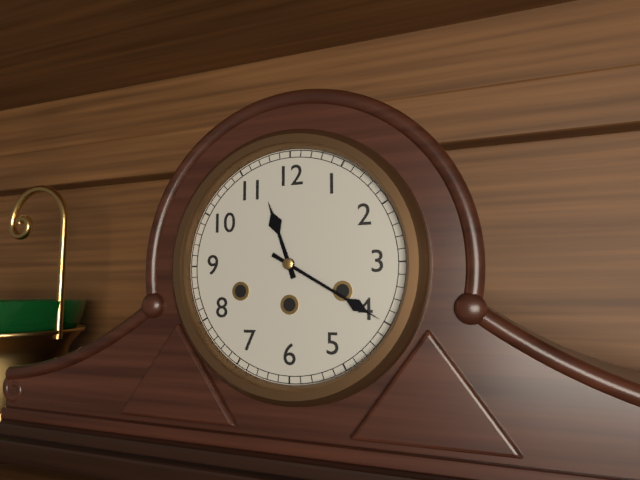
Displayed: **11:20**
